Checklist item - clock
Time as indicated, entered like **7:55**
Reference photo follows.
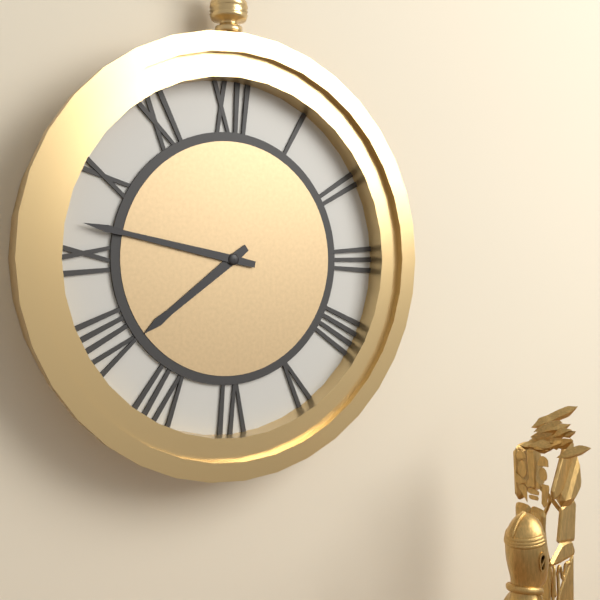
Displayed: **7:47**
